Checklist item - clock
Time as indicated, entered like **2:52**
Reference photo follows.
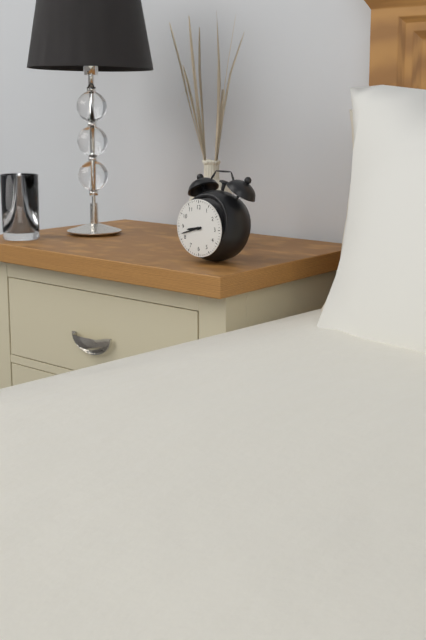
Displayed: **8:42**
